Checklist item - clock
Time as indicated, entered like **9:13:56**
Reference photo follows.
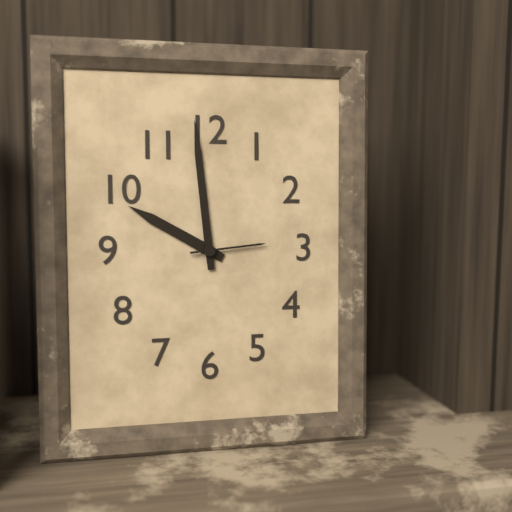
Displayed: **9:59:14**
